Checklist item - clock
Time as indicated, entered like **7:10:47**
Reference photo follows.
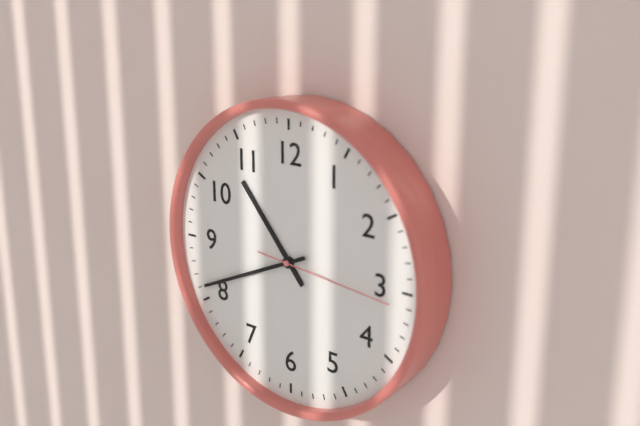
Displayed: **10:41:16**
